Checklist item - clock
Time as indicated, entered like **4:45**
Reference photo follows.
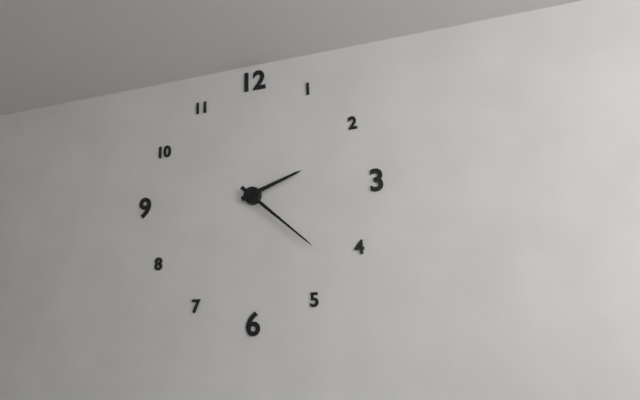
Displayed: **2:22**
